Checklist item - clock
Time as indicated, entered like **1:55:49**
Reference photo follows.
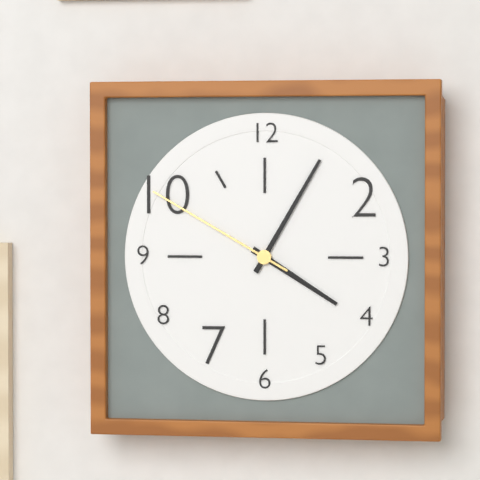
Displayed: **4:05:50**
